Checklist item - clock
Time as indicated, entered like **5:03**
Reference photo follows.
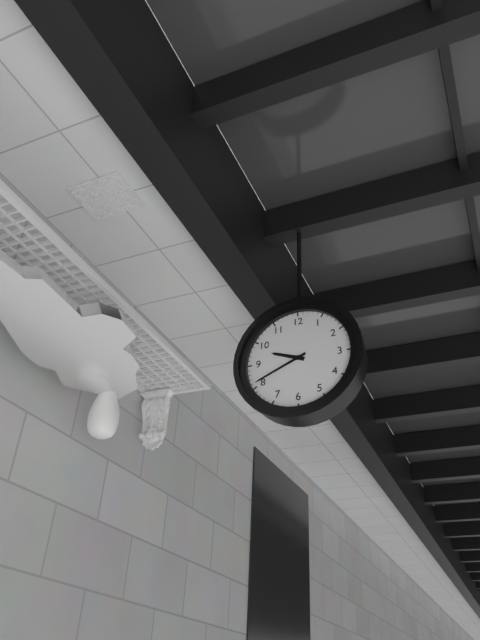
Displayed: **9:41**
